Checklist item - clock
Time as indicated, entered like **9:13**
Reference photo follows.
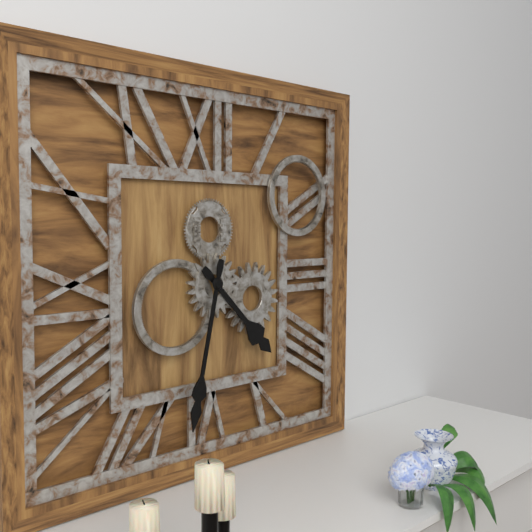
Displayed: **4:32**
